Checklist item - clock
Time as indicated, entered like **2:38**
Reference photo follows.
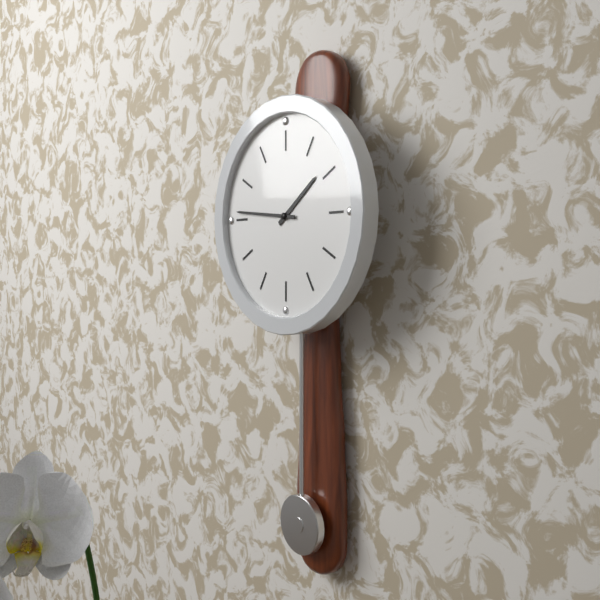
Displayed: **1:46**
